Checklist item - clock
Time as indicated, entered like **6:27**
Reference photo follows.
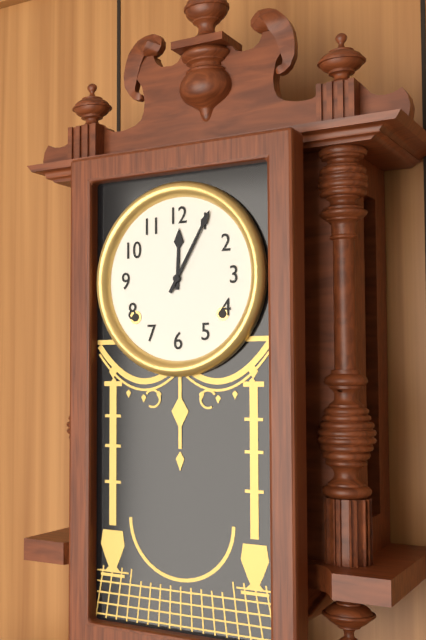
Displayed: **12:05**
